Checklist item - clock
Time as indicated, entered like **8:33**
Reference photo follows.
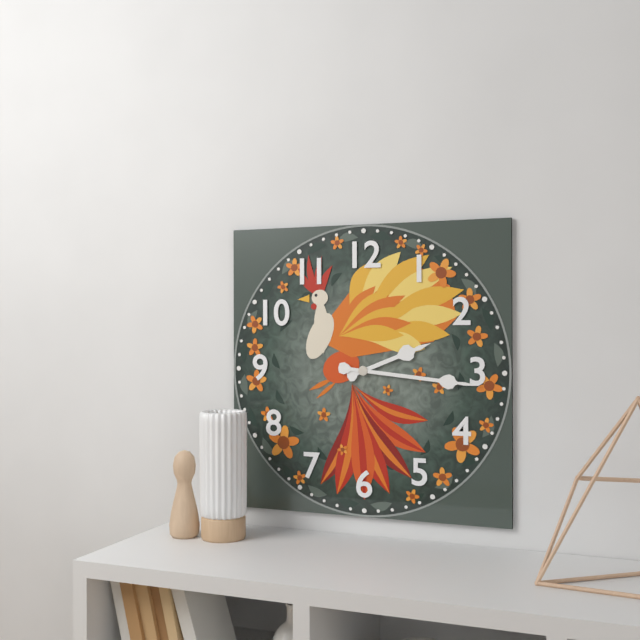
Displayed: **2:16**
